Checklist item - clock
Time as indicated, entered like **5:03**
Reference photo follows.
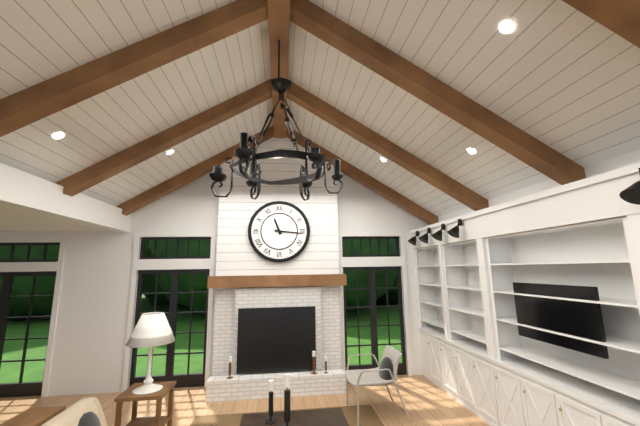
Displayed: **11:16**
